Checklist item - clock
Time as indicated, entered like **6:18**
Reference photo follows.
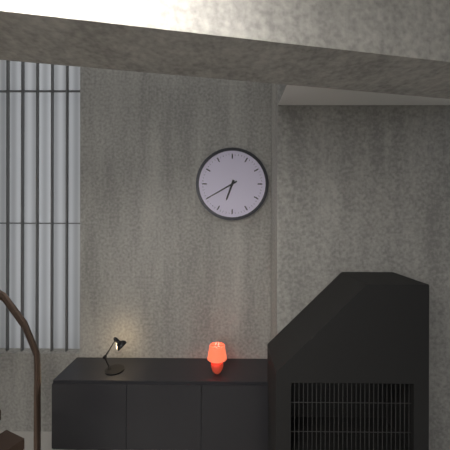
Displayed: **6:40**
